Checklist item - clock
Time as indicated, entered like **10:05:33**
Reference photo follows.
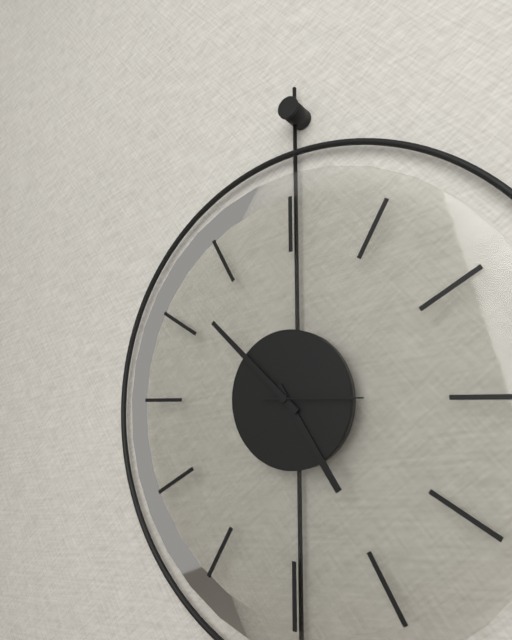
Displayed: **4:52:15**
